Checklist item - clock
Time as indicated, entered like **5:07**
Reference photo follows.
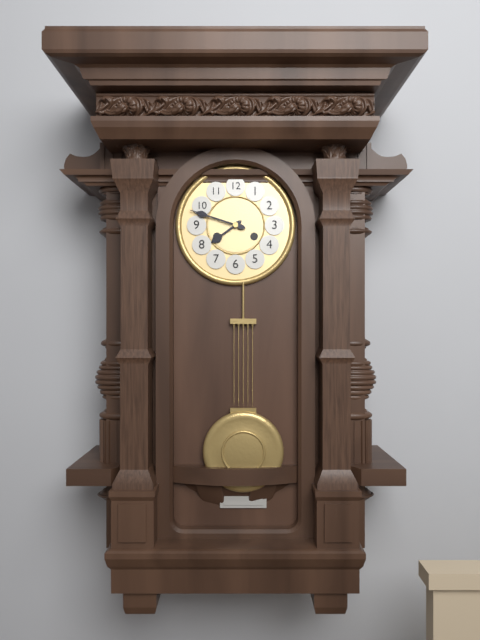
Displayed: **7:48**
